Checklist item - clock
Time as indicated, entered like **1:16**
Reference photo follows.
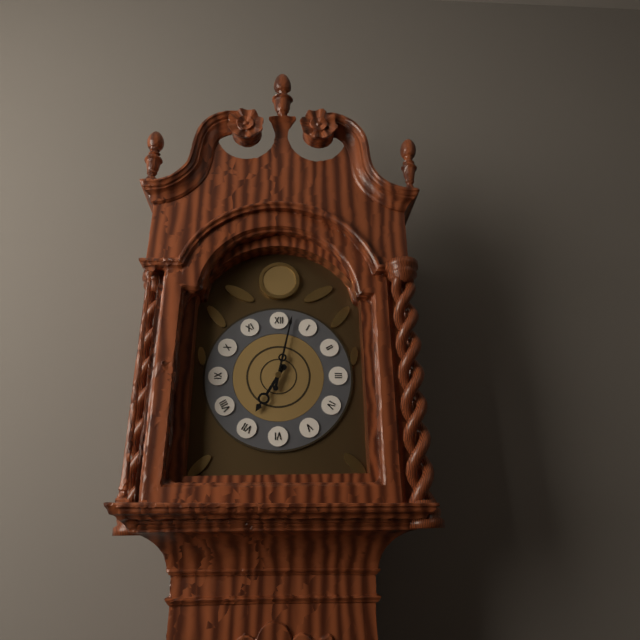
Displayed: **7:02**
